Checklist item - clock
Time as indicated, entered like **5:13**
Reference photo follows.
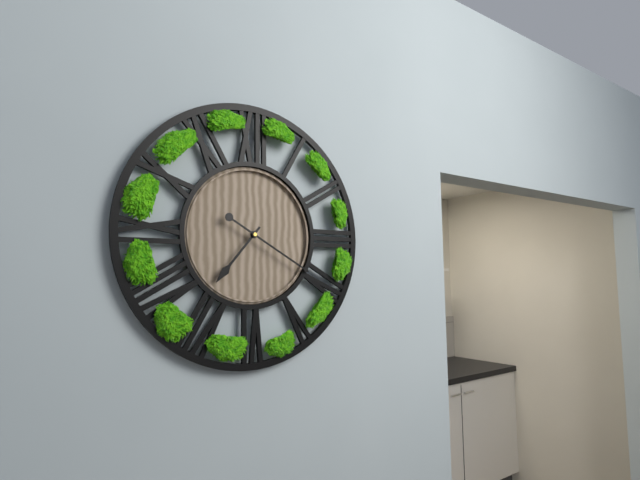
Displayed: **7:20**
